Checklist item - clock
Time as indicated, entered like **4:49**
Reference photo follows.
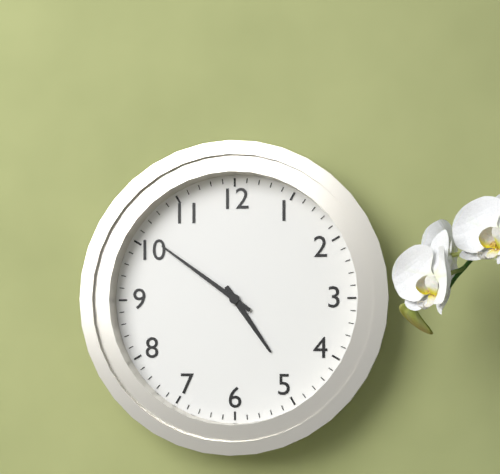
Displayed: **4:51**
